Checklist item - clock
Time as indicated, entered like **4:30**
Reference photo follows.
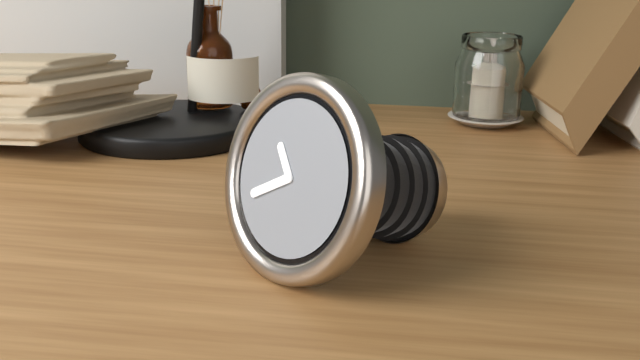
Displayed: **10:40**
